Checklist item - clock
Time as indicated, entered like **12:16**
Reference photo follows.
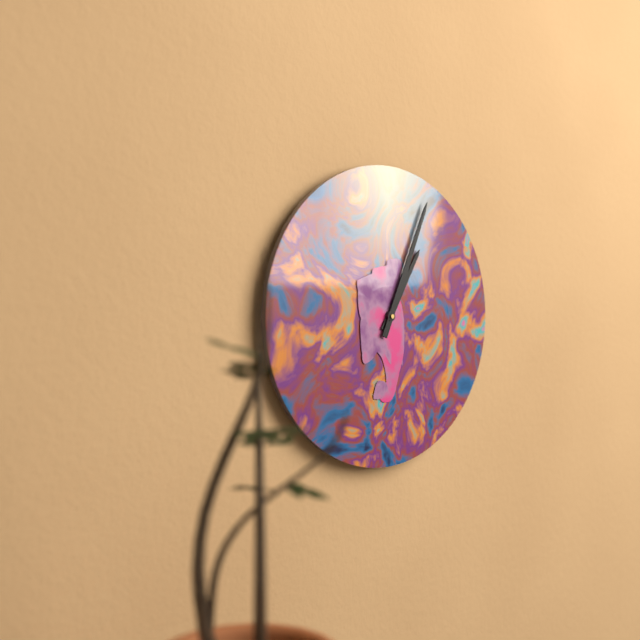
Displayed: **1:04**
